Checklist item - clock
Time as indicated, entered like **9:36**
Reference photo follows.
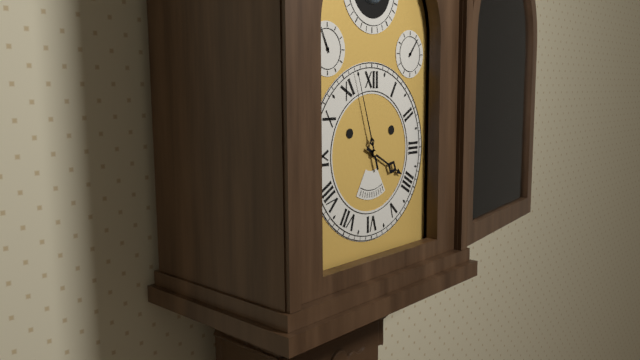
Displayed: **3:57**
